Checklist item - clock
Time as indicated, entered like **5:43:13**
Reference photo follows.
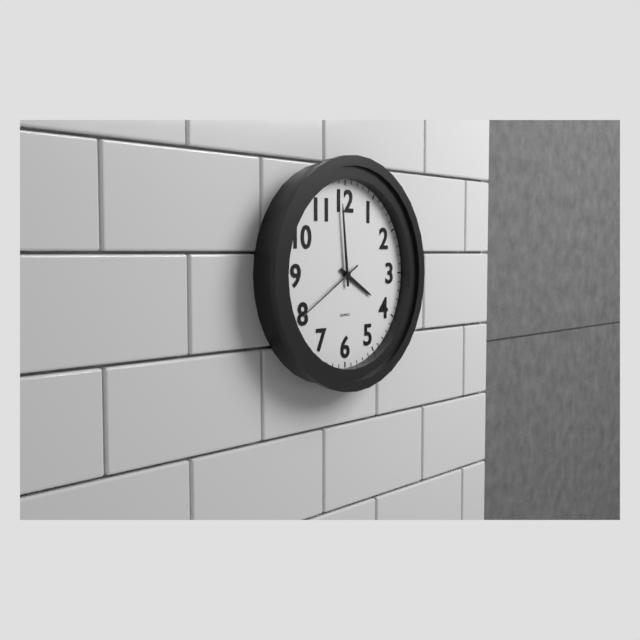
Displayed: **3:59:40**
